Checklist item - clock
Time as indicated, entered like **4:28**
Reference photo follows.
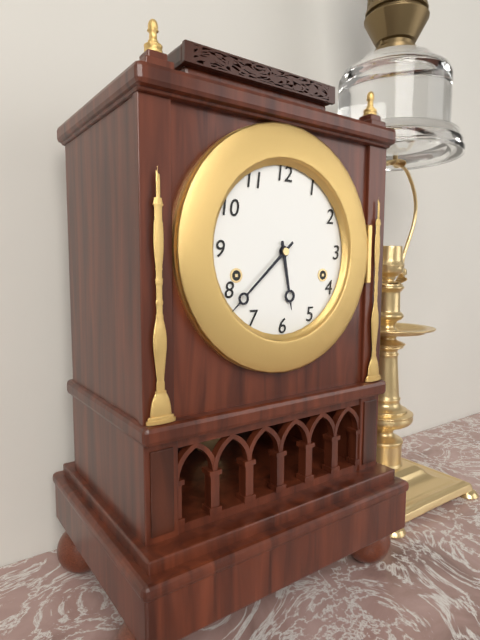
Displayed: **5:38**
